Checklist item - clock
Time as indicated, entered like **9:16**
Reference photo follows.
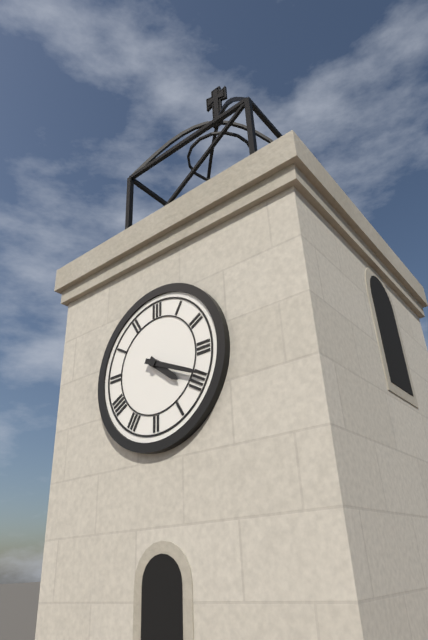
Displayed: **4:19**
